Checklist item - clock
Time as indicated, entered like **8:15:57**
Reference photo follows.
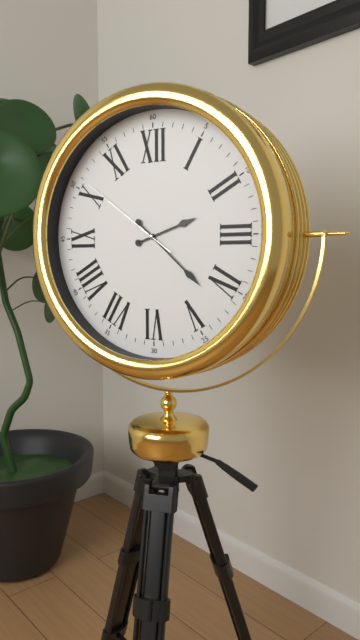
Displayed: **2:22:51**
